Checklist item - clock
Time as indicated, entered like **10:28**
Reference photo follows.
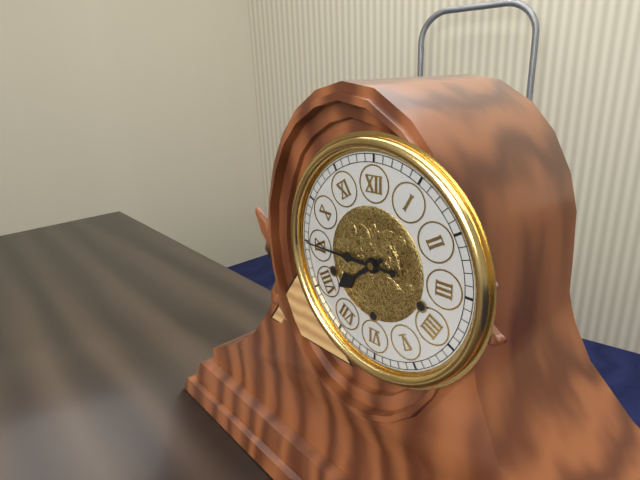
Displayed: **7:45**
